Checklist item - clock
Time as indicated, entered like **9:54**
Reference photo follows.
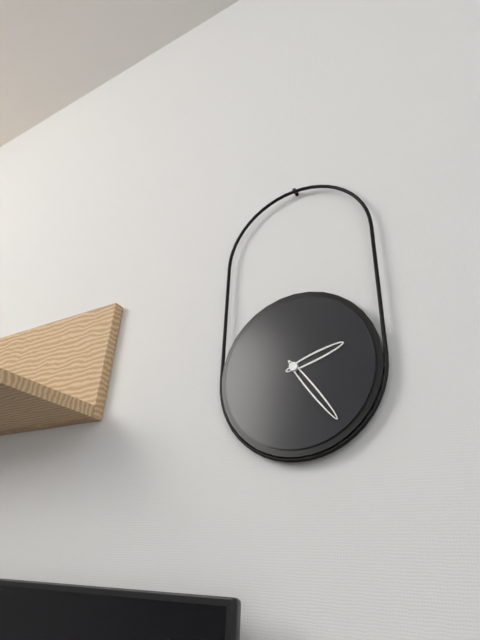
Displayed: **2:24**
